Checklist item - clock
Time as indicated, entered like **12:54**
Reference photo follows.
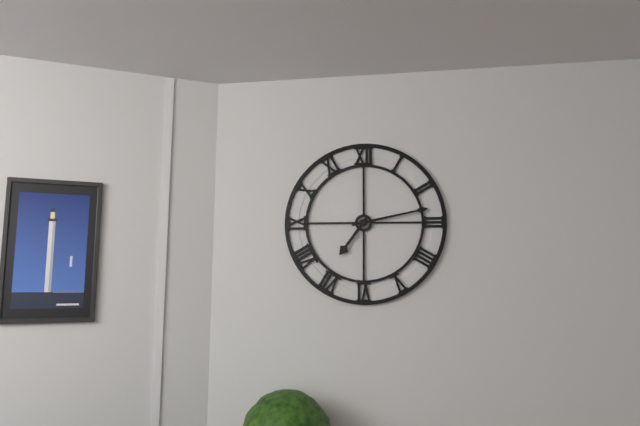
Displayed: **7:13**
